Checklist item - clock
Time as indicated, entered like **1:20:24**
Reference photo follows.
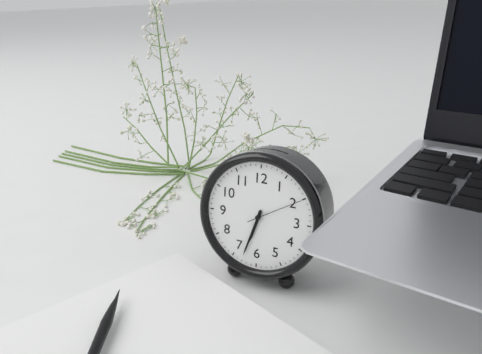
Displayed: **6:33:10**
